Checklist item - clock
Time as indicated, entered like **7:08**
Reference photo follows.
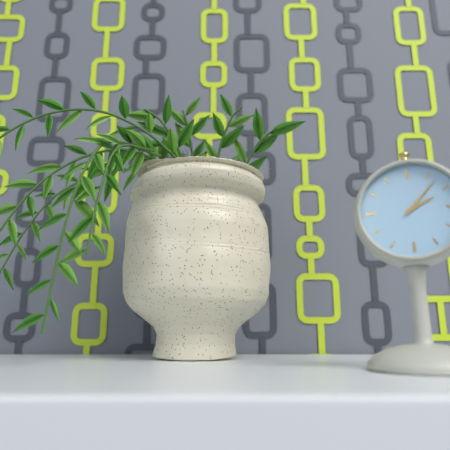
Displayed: **2:07**
